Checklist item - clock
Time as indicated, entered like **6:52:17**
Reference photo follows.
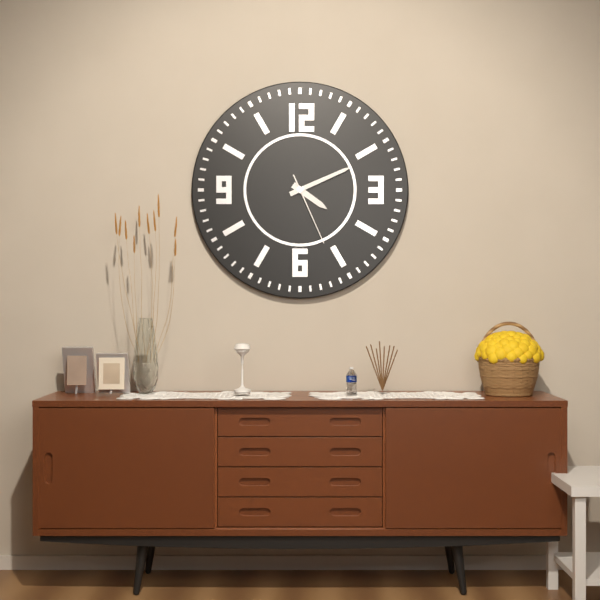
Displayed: **4:11:26**
